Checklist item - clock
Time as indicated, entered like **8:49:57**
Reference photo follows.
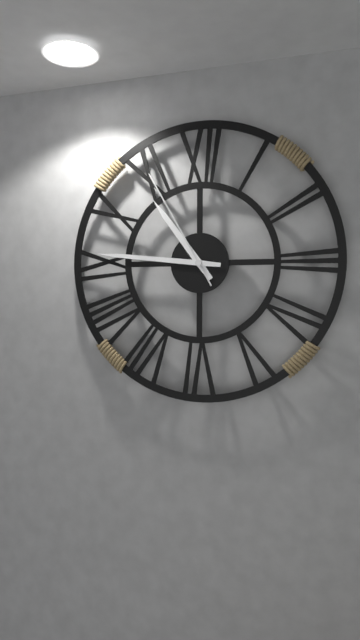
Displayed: **10:46:55**
